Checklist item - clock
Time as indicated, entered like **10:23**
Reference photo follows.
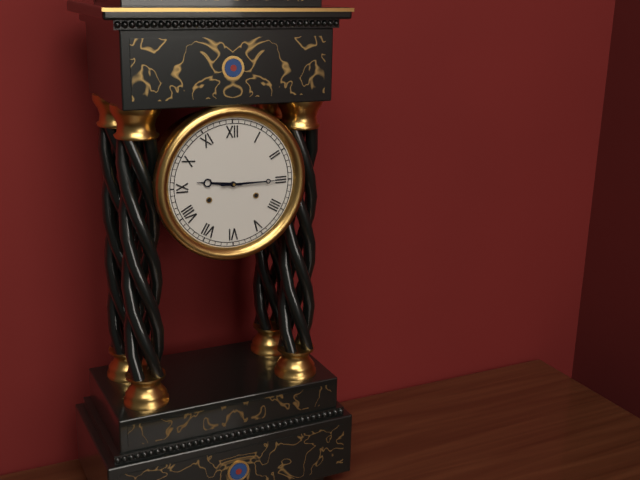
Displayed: **9:15**
